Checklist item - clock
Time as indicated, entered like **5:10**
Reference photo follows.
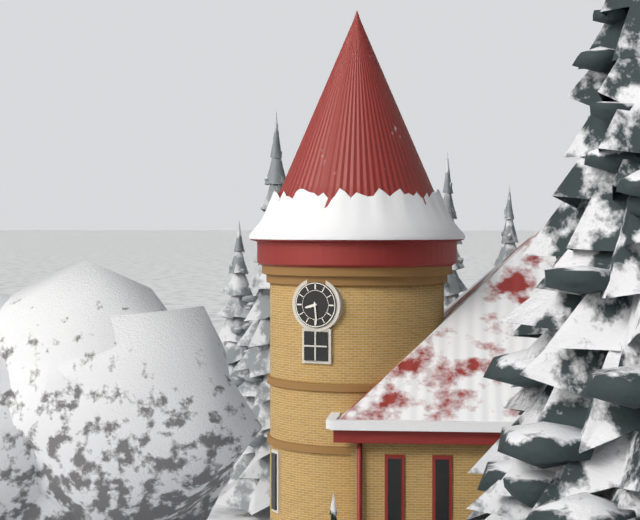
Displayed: **8:29**
